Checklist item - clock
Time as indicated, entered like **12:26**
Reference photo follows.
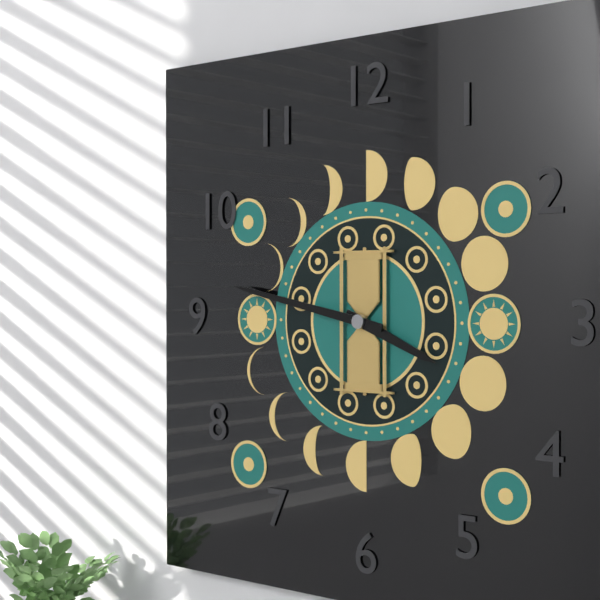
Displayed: **3:47**
